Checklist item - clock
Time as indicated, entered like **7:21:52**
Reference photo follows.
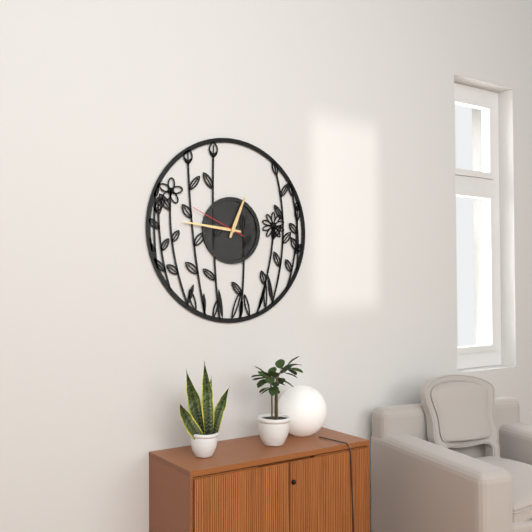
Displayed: **12:46:49**
